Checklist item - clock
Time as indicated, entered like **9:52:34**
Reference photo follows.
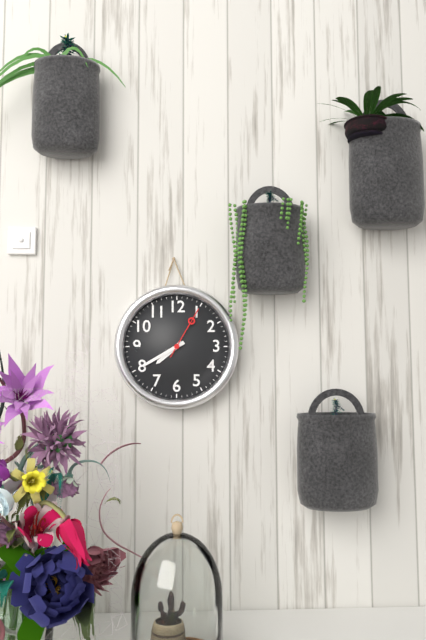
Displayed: **7:40:05**
